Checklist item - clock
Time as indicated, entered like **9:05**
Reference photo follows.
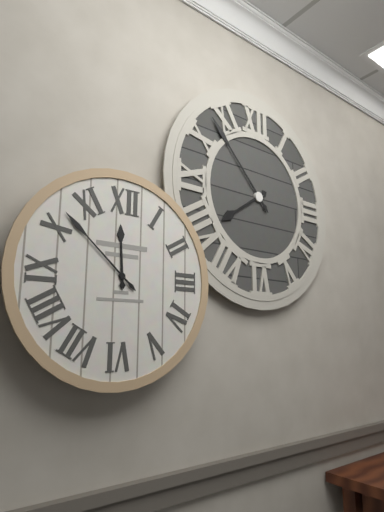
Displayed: **11:52**
